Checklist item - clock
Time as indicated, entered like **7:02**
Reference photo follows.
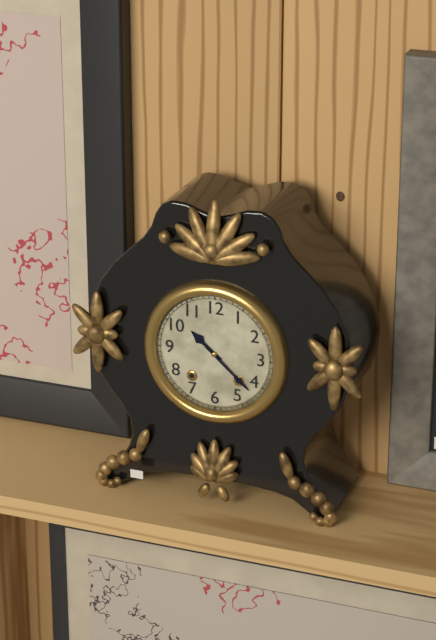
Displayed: **10:22**
